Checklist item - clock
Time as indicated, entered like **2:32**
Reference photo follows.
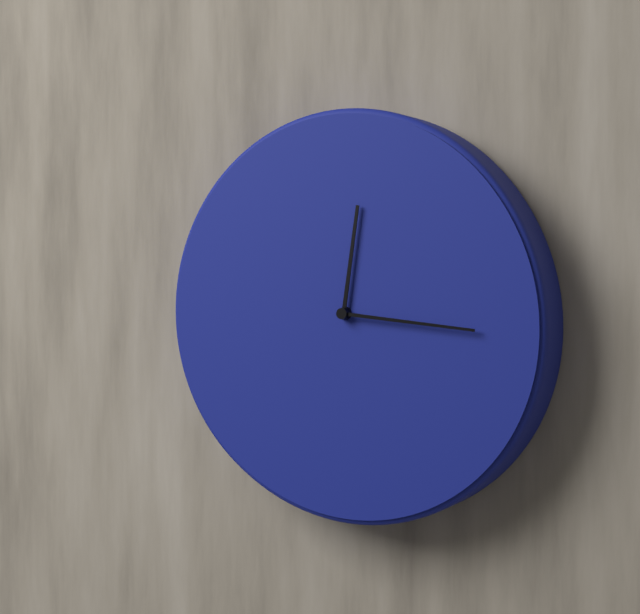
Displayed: **12:16**
